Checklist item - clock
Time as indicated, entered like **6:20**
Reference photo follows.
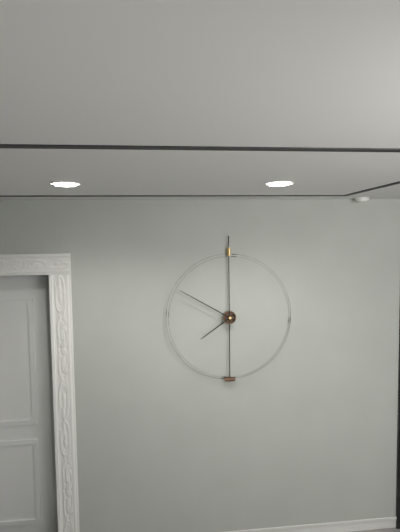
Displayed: **7:50**
